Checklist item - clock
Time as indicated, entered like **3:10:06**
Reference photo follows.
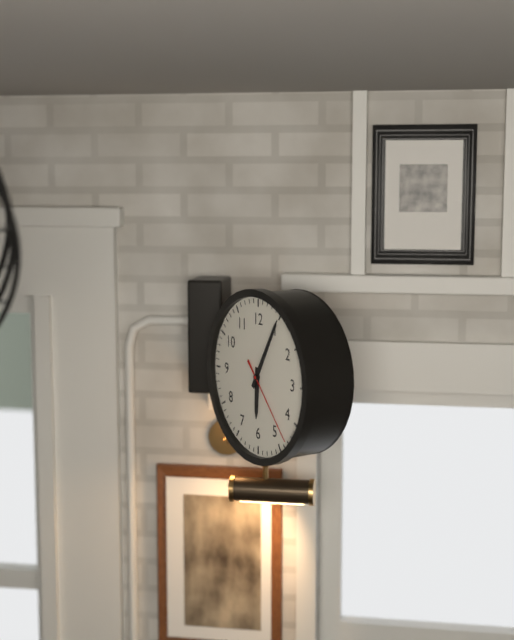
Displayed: **6:05:23**
